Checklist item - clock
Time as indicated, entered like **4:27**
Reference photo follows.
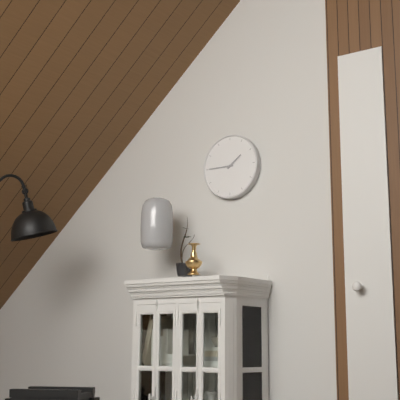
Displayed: **1:45**
